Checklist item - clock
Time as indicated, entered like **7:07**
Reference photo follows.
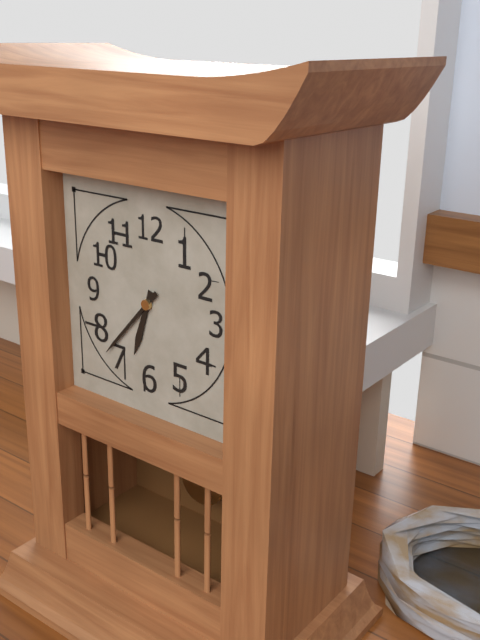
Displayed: **6:37**
